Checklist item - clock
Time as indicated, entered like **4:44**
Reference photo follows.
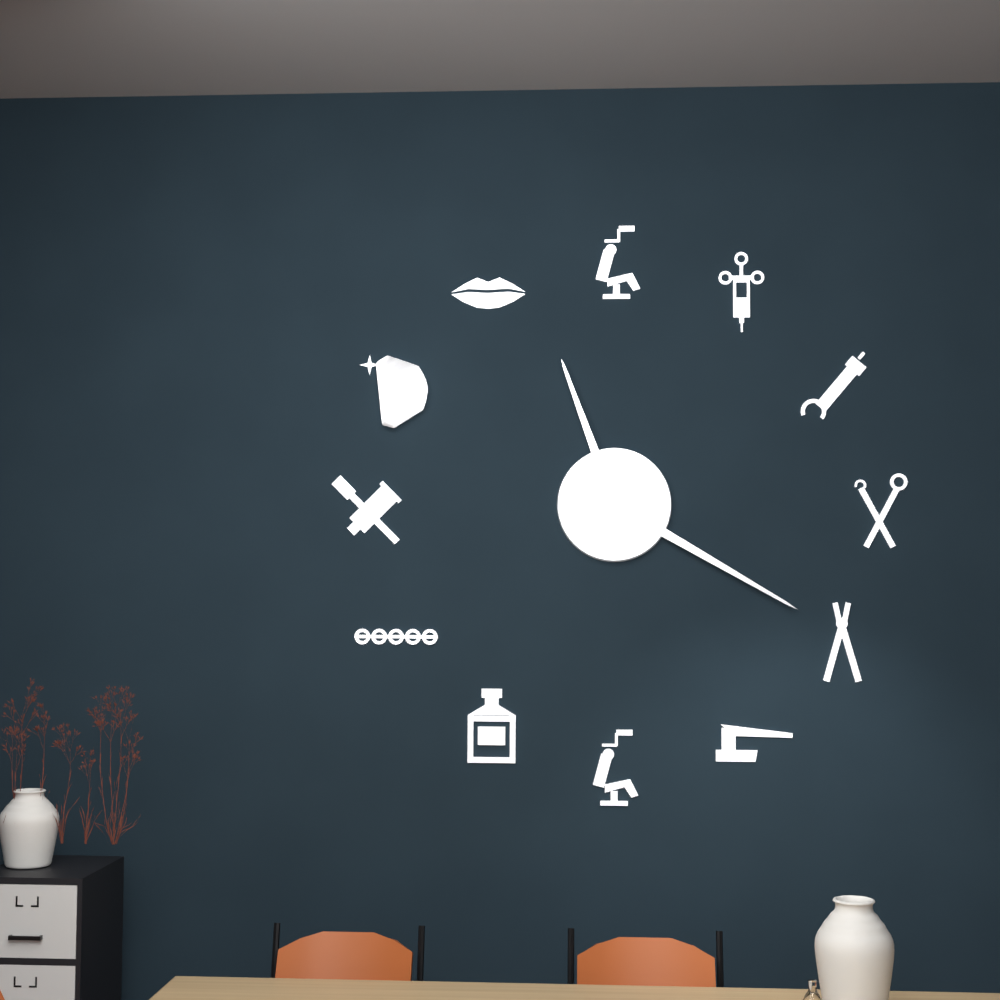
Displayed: **11:20**
